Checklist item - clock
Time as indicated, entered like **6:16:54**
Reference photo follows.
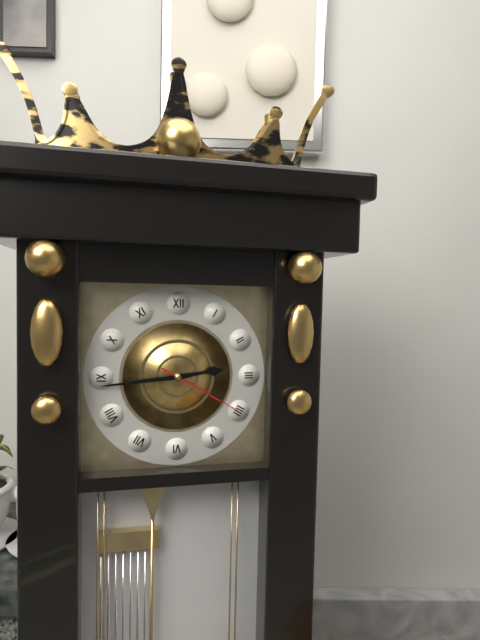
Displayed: **2:44:20**
